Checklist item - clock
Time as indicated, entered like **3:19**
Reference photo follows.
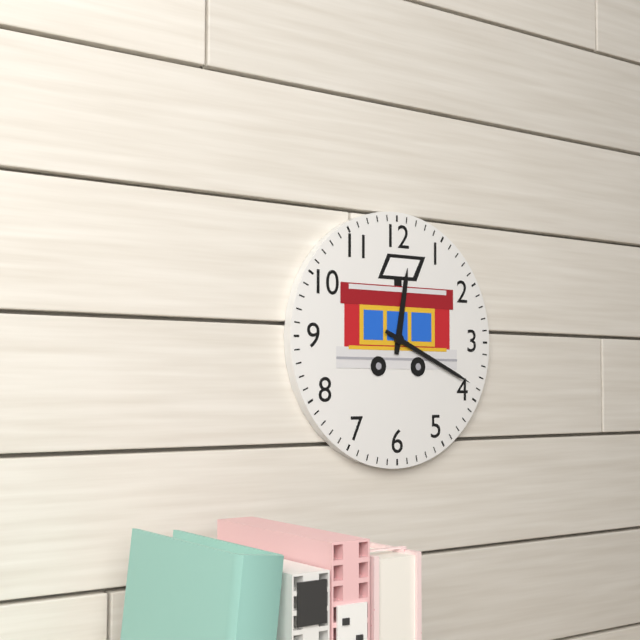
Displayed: **12:19**
